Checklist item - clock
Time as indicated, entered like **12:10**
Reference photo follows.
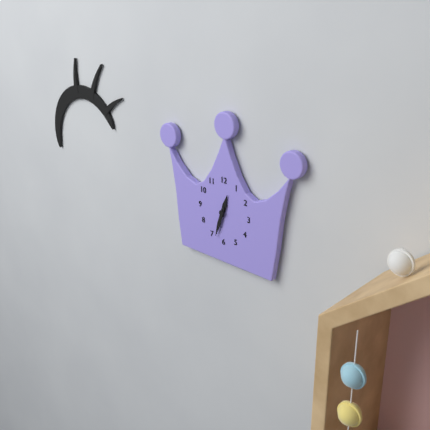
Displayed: **12:33**
